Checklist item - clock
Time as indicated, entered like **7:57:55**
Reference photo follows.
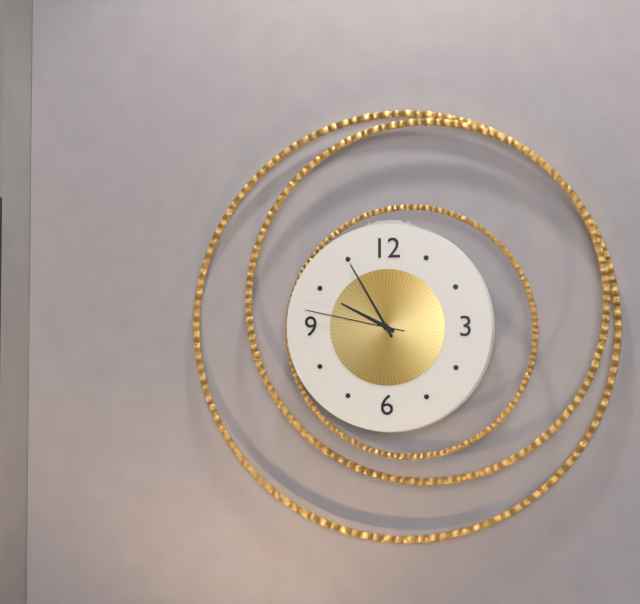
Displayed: **9:55:47**
